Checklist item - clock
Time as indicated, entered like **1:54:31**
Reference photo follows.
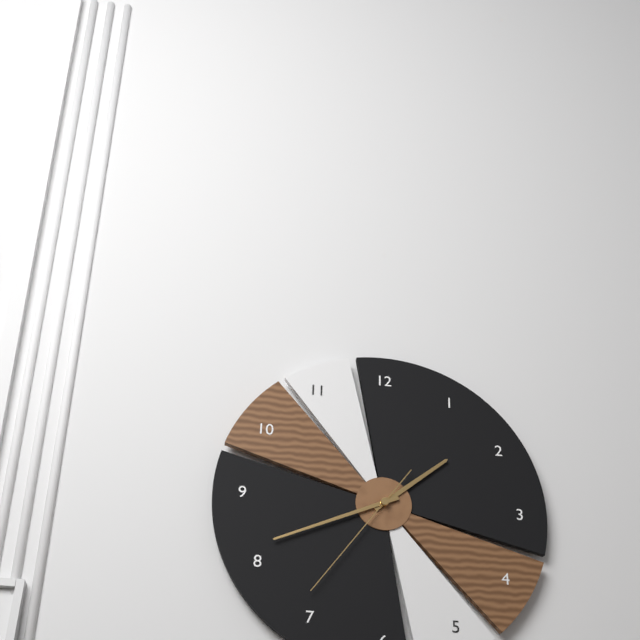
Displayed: **1:41:36**
